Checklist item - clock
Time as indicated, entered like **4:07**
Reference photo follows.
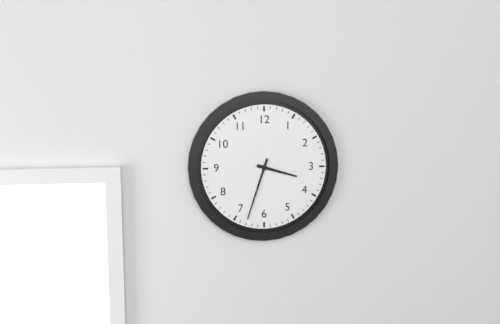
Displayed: **3:33**
